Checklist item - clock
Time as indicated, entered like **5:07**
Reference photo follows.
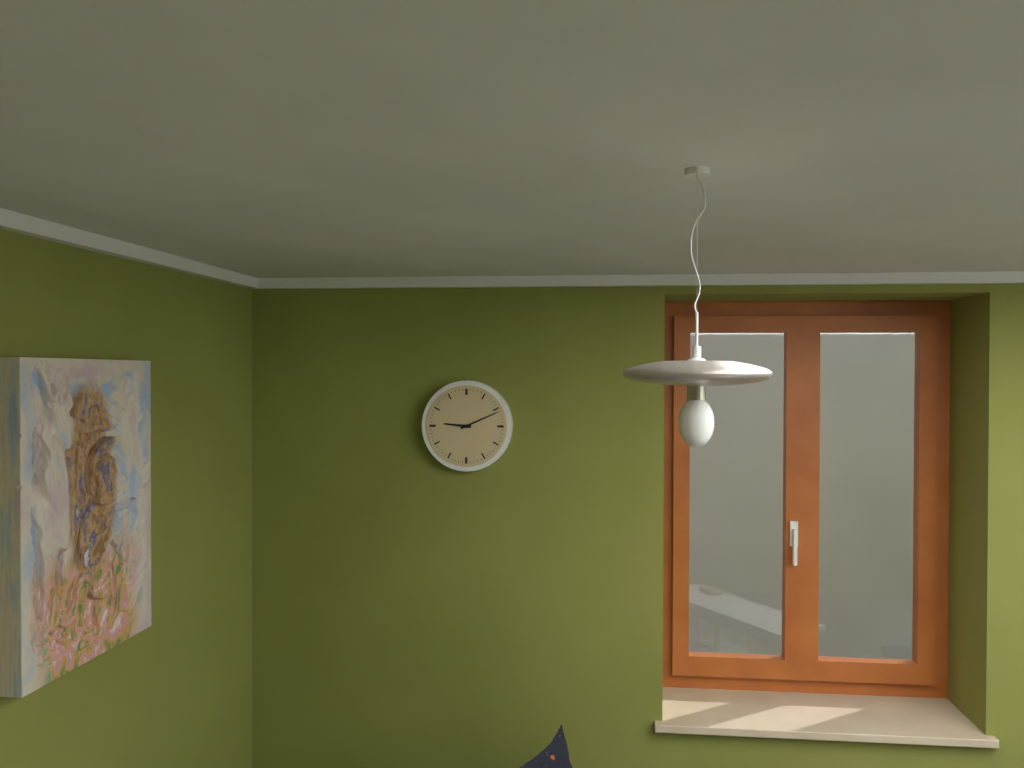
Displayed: **9:11**
